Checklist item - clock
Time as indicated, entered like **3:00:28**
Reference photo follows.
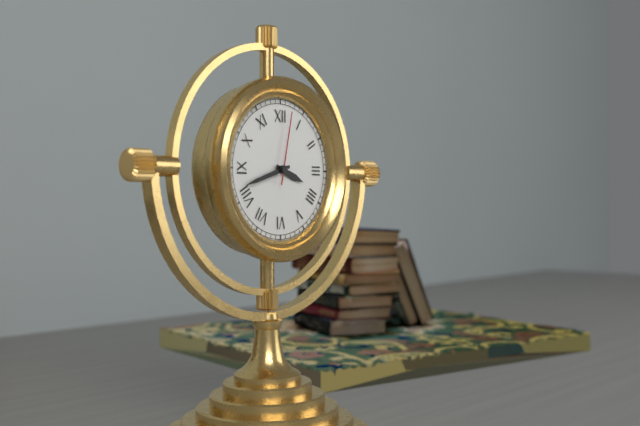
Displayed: **3:42:02**
